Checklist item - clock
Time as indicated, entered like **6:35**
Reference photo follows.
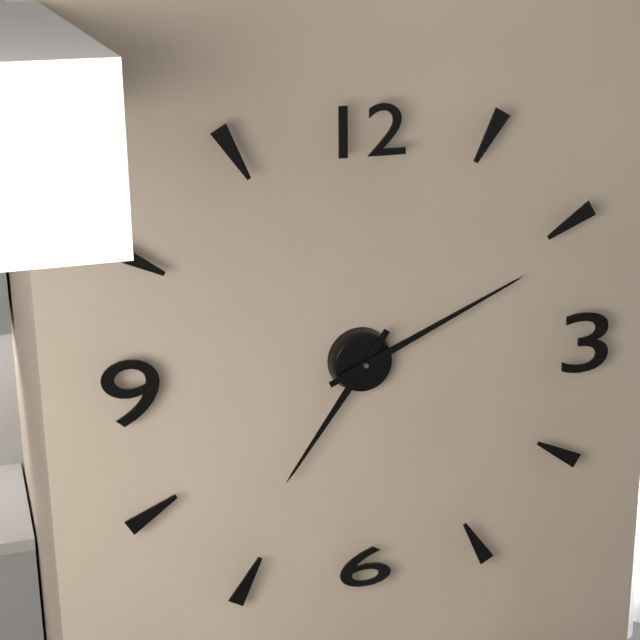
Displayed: **7:11**
